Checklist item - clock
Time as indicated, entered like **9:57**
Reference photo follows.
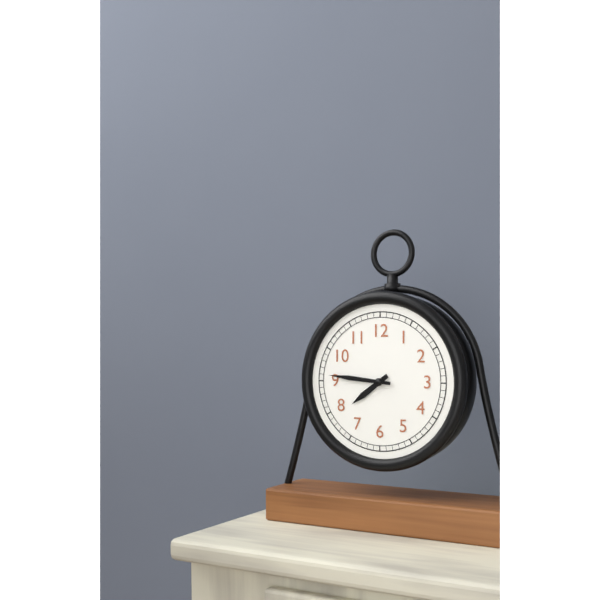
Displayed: **7:46**
